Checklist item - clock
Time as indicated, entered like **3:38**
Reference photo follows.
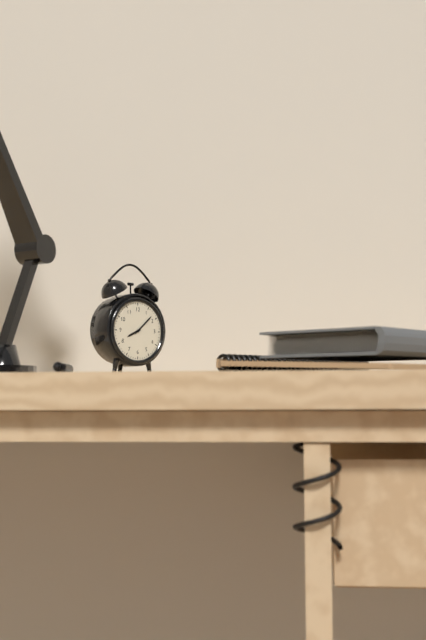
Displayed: **8:08**
